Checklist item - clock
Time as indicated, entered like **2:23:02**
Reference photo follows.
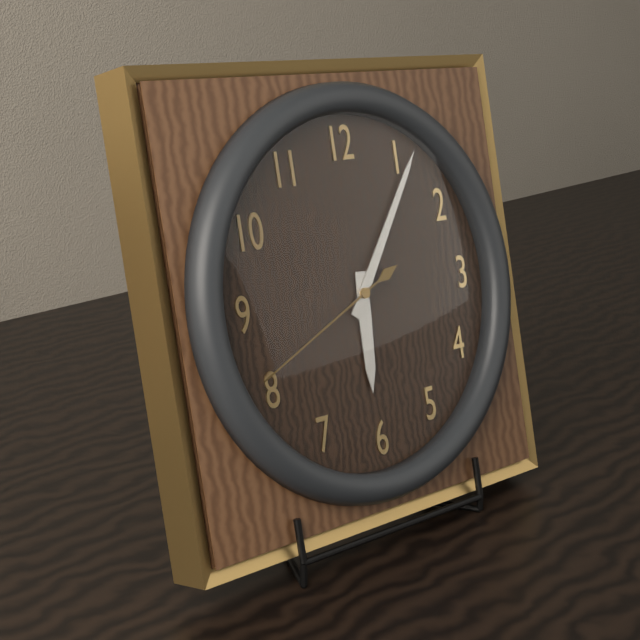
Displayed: **6:06:41**
